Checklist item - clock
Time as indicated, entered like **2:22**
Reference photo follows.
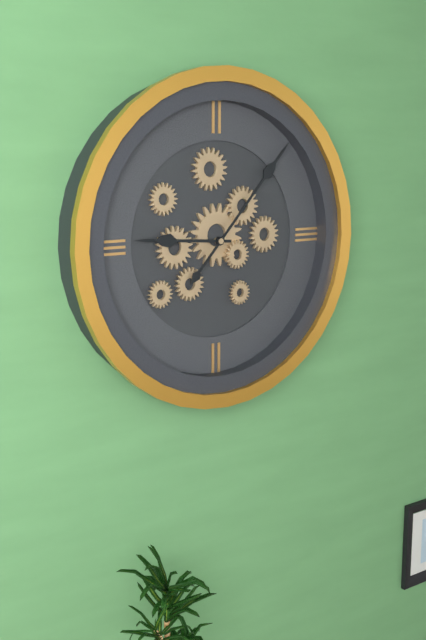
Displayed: **9:07**
